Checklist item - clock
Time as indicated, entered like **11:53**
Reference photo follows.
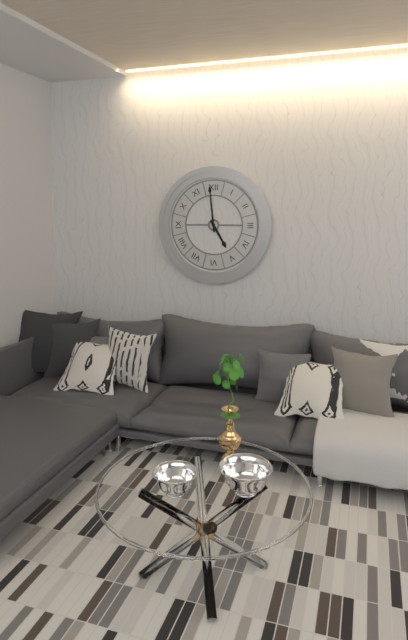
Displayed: **4:59**
